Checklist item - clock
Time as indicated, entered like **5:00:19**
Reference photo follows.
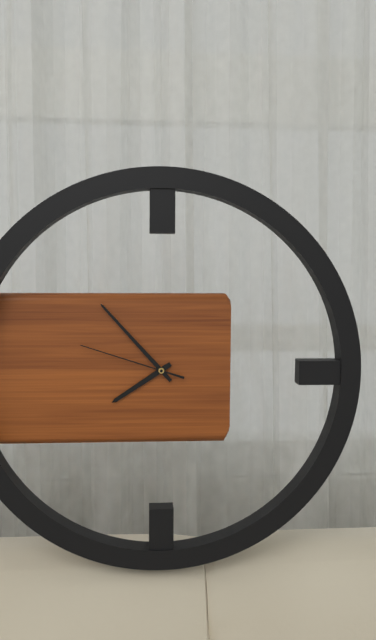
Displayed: **7:53:48**
